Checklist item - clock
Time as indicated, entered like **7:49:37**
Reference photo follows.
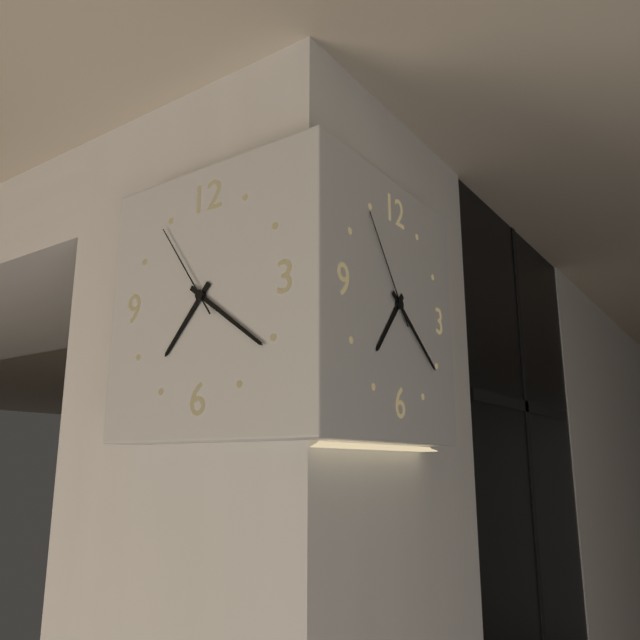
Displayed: **7:21:54**
